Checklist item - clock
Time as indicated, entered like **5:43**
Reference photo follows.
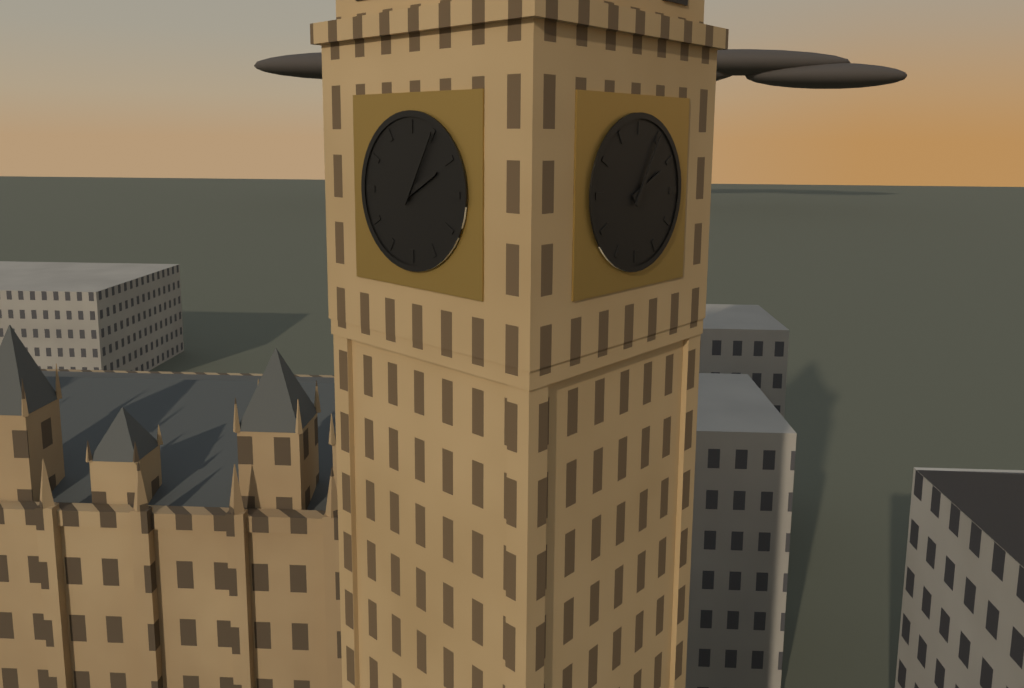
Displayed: **2:05**
